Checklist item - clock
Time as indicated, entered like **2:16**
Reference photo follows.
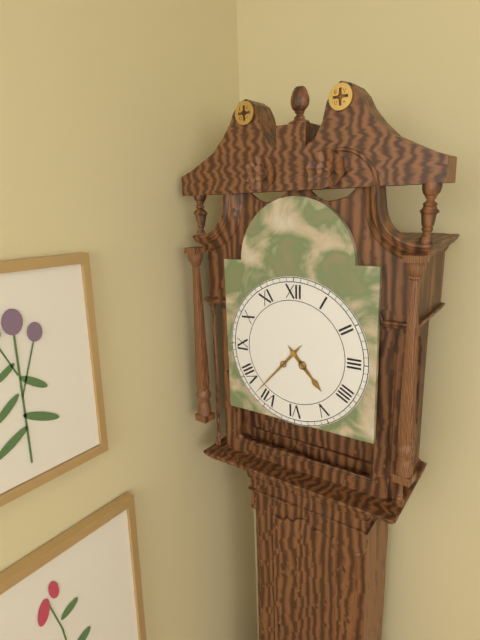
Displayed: **4:37**
